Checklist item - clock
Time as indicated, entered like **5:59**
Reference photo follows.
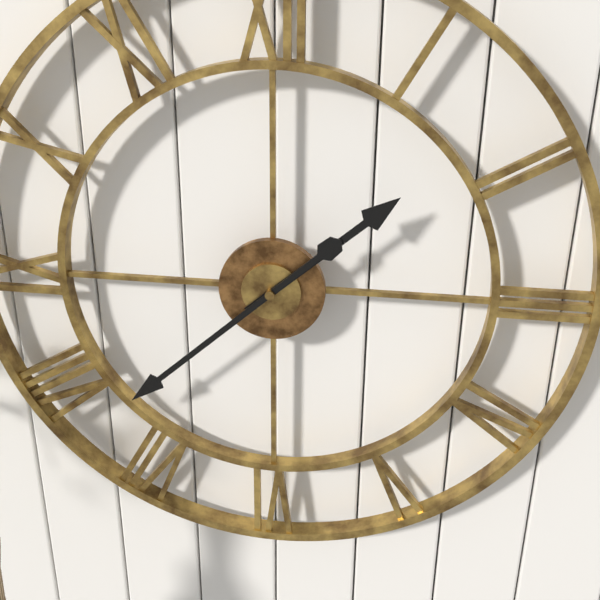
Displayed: **1:38**
